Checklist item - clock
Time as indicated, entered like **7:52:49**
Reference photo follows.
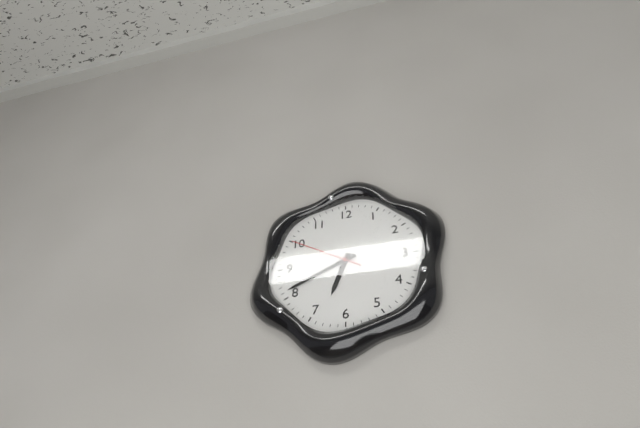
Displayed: **6:41:50**
